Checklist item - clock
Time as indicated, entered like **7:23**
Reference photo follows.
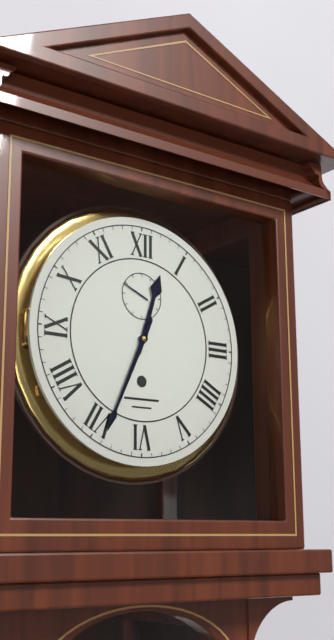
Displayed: **12:34**
